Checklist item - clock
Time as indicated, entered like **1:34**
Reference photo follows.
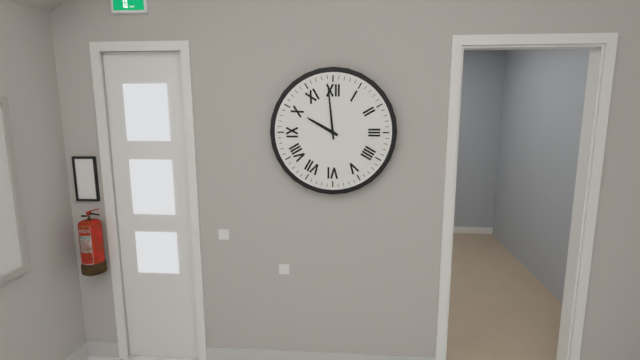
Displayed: **9:59**
